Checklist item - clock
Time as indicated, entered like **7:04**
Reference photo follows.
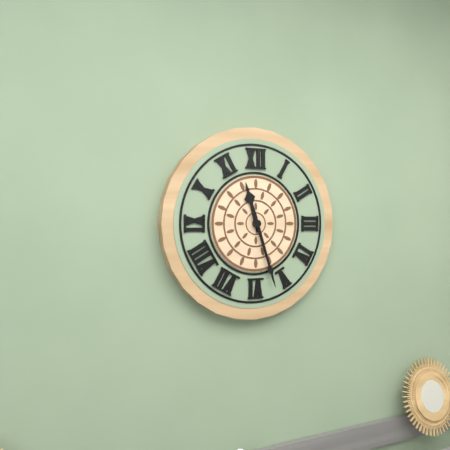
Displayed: **11:27**
